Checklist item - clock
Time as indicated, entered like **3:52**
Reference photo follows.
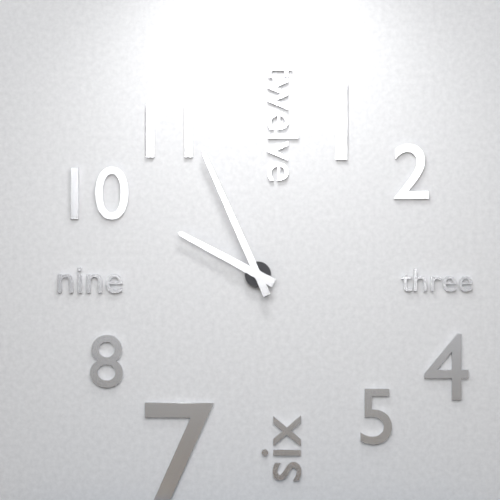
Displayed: **9:56**
